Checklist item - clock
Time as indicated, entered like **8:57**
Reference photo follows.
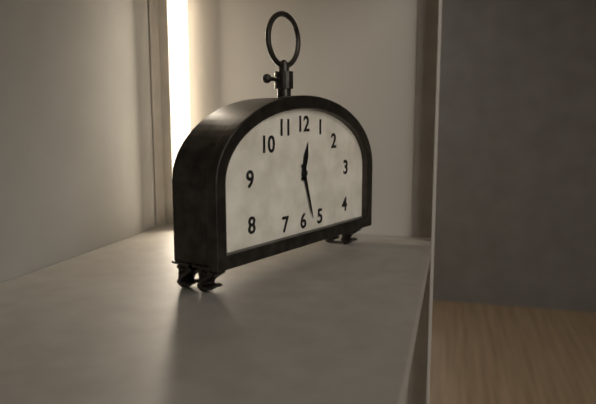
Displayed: **12:27**
